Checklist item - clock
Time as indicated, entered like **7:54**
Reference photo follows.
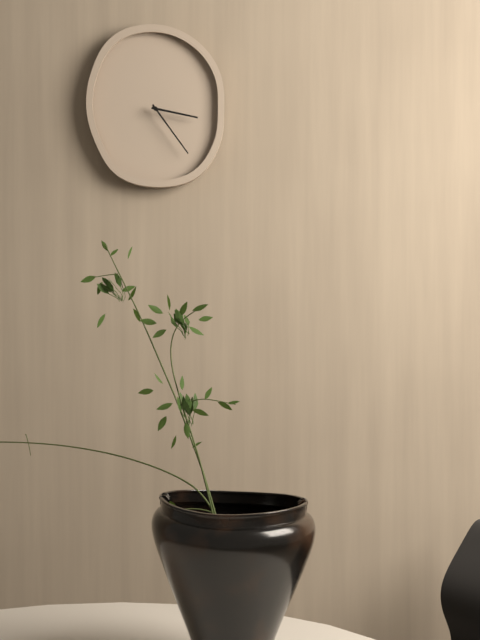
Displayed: **3:24**
